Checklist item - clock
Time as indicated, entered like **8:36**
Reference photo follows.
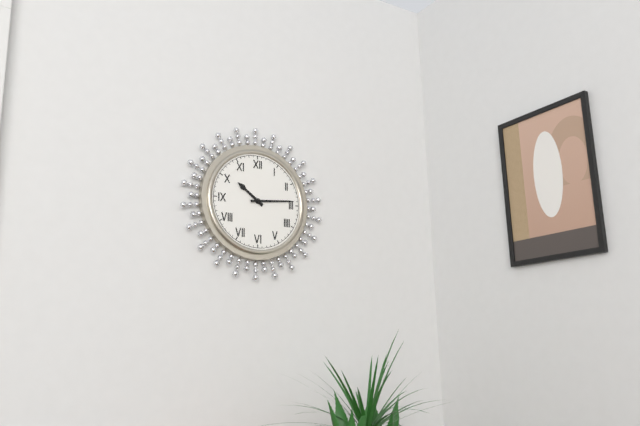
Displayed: **10:14**
